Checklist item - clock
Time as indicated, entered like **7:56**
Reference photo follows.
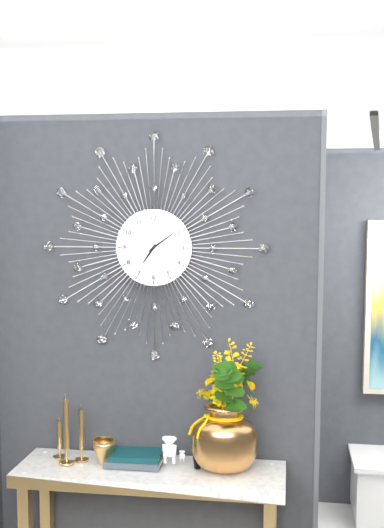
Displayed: **7:09**
